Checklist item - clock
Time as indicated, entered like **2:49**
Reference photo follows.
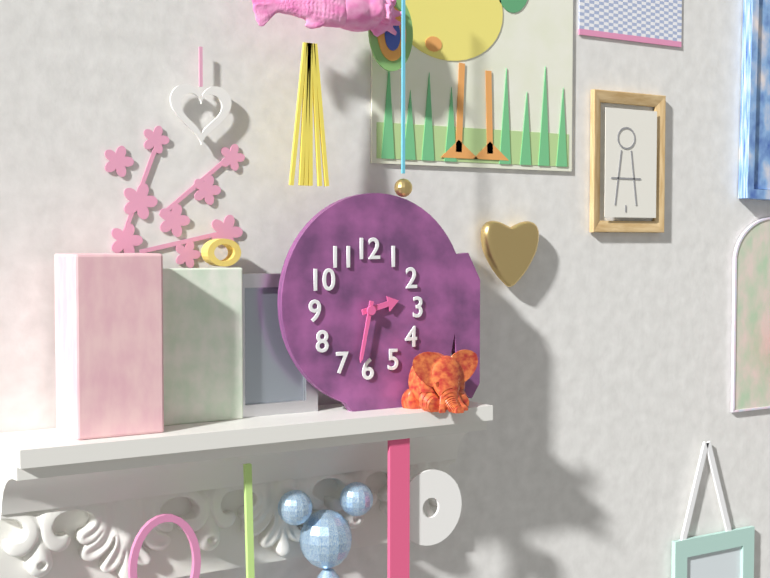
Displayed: **2:32**
